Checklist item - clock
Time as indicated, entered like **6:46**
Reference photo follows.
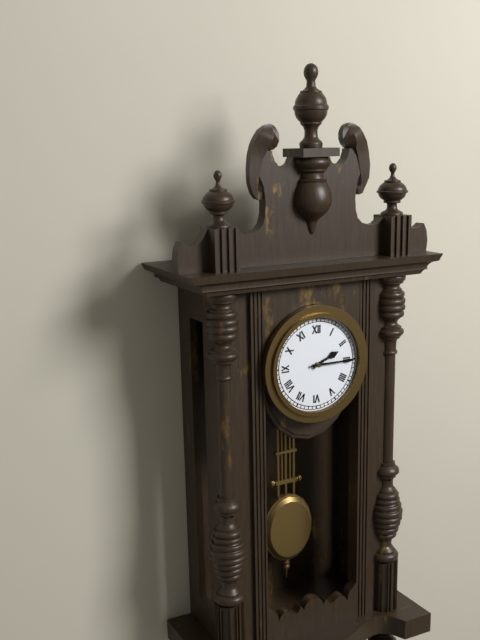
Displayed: **2:15**
